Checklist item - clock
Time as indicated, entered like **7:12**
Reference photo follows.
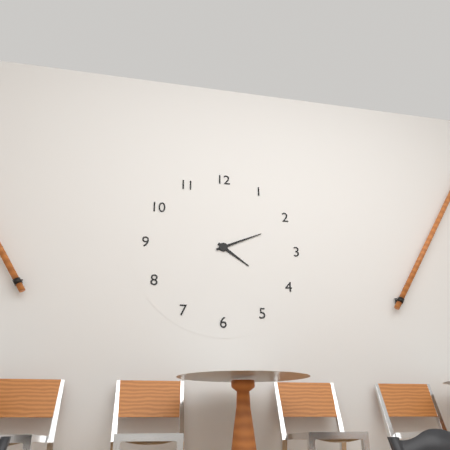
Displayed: **4:11**
